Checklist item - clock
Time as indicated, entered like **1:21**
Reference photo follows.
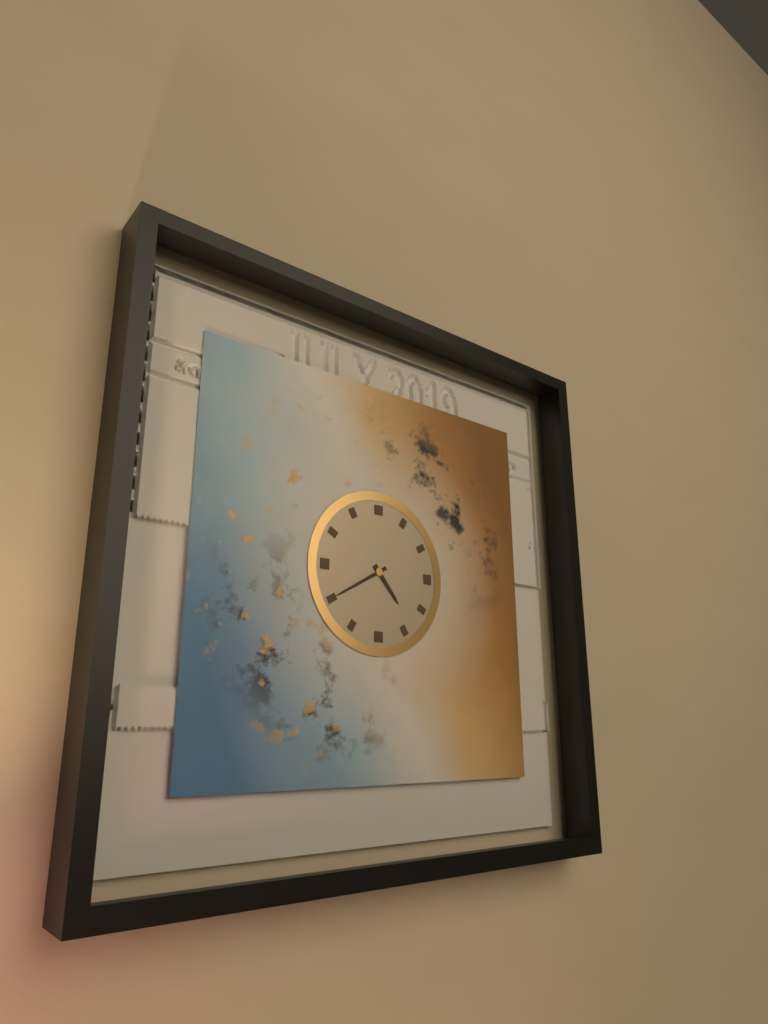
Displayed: **4:40**
